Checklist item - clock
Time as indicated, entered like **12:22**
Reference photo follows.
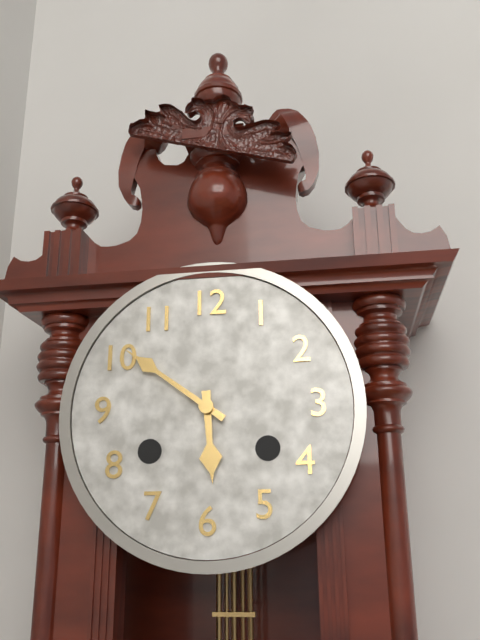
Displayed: **5:51**
